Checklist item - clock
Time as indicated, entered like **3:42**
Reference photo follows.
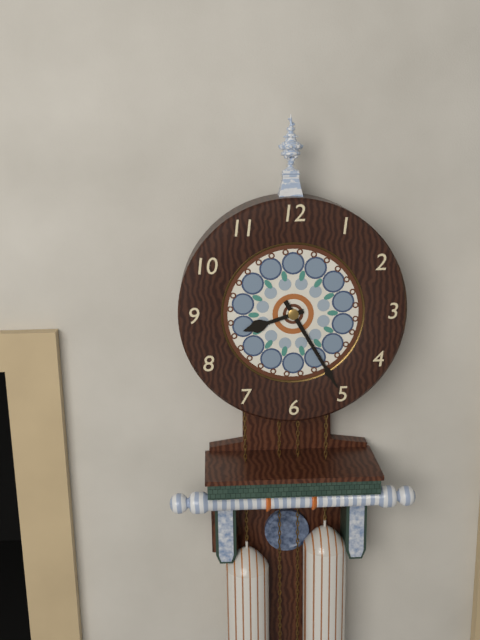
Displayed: **8:25**
